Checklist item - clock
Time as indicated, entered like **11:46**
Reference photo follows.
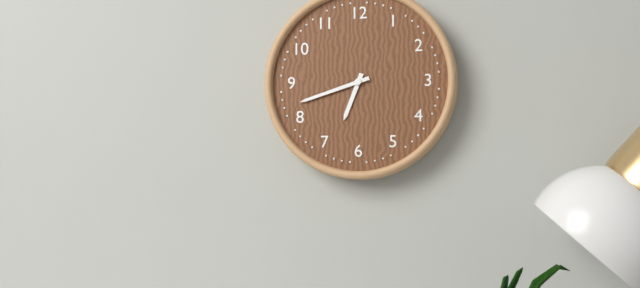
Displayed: **6:42**
